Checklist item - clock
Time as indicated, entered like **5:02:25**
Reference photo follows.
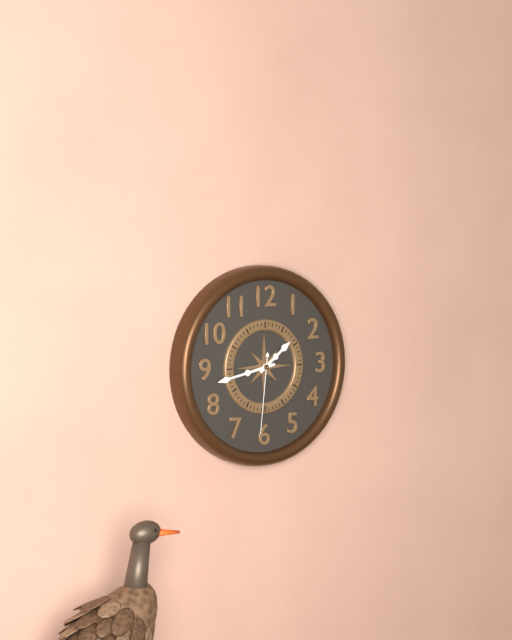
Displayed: **1:43:31**
